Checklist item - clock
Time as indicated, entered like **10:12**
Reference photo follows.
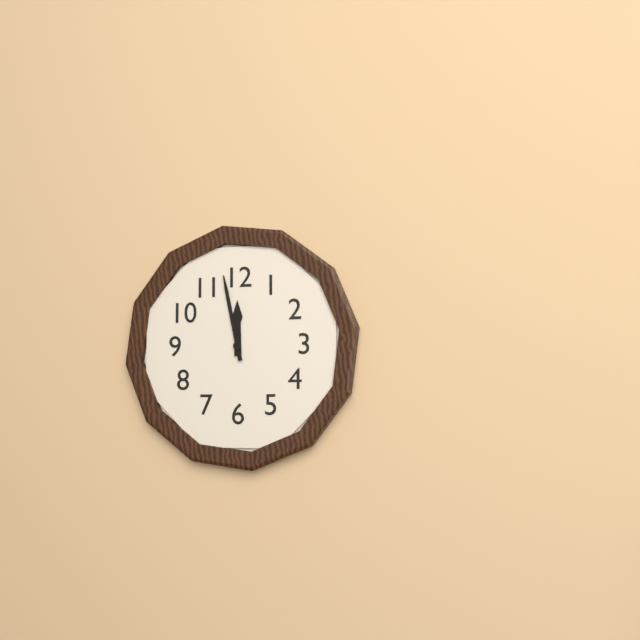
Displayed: **11:58**
